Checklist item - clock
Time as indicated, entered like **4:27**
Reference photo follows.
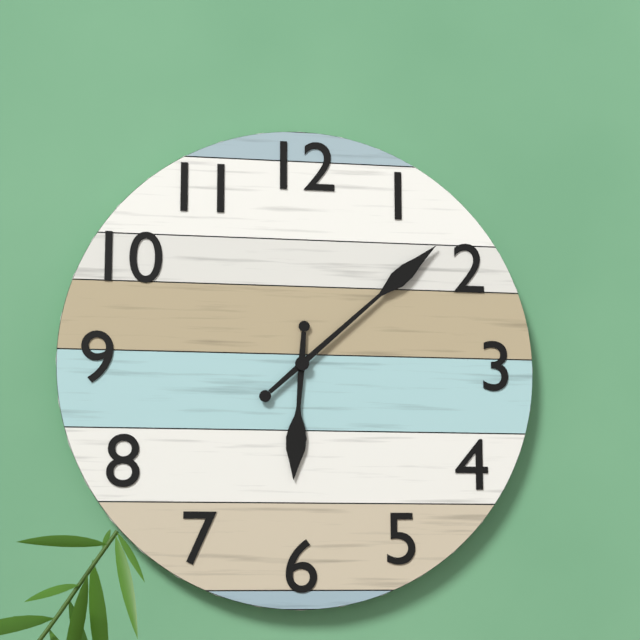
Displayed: **6:08**
